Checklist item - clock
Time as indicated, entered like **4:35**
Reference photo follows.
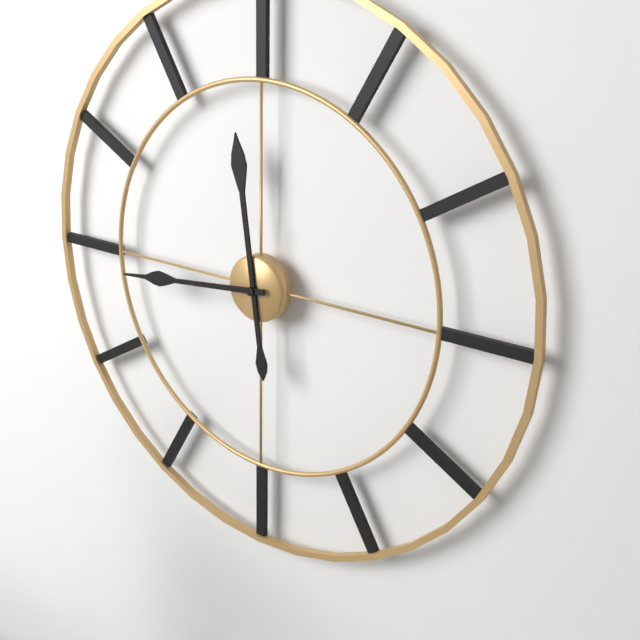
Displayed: **11:44**
